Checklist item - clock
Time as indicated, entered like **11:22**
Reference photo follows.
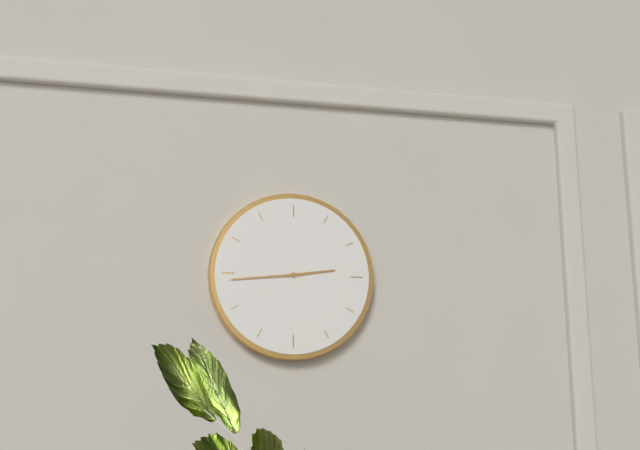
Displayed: **2:44**
